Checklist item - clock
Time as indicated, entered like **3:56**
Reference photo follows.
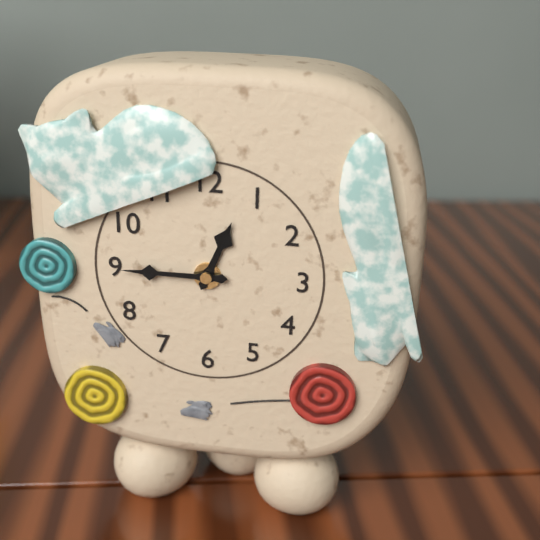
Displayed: **12:45**
